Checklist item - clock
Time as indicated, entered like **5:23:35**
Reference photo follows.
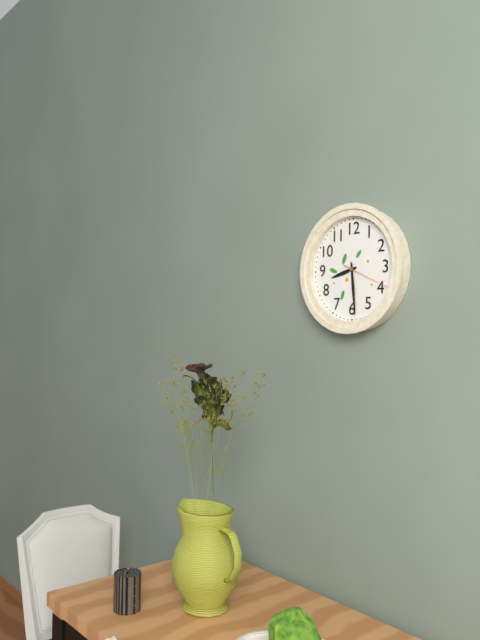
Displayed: **8:29:19**
